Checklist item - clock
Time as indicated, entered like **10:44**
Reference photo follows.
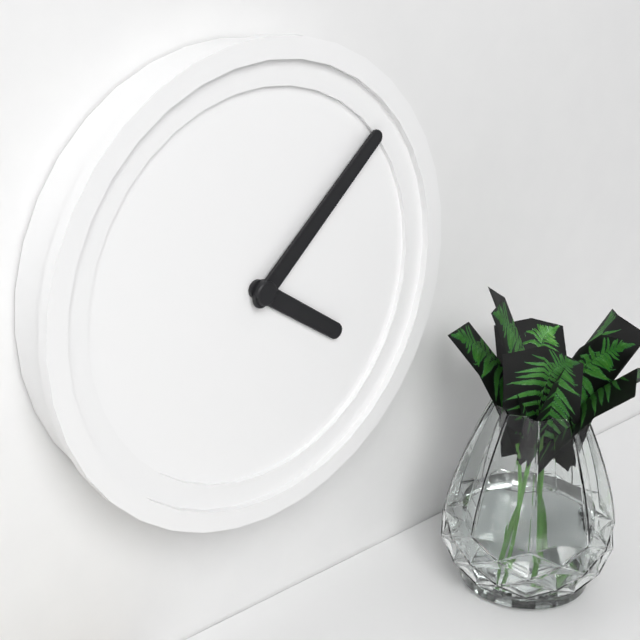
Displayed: **4:08**
